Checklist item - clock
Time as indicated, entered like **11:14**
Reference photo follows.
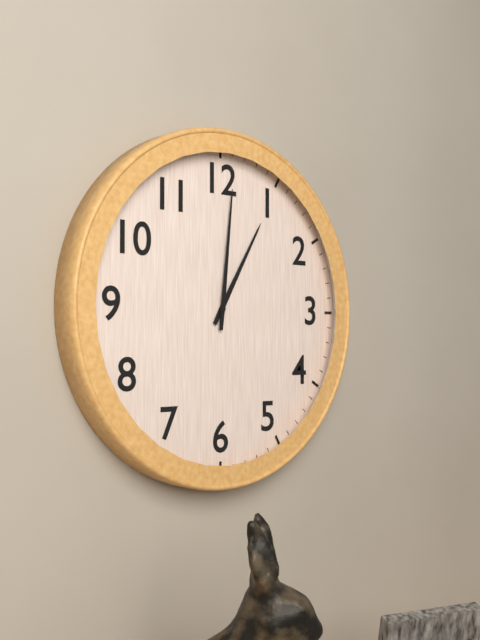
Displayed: **1:01**
